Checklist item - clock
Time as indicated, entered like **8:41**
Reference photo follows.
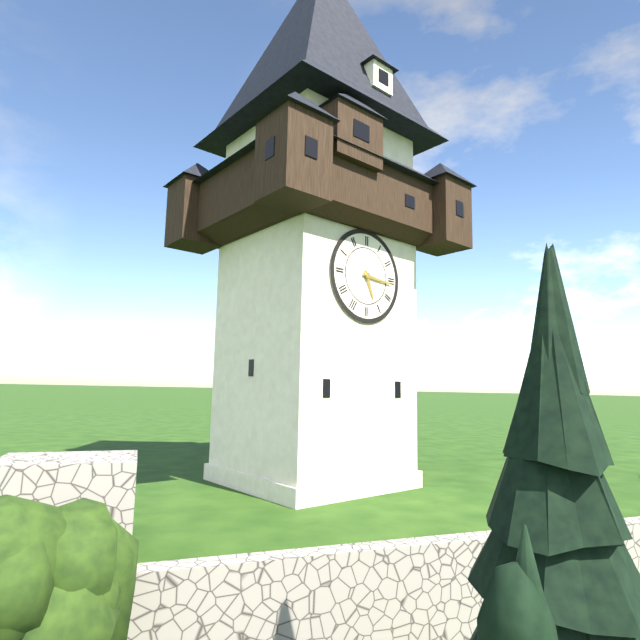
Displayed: **5:16**
